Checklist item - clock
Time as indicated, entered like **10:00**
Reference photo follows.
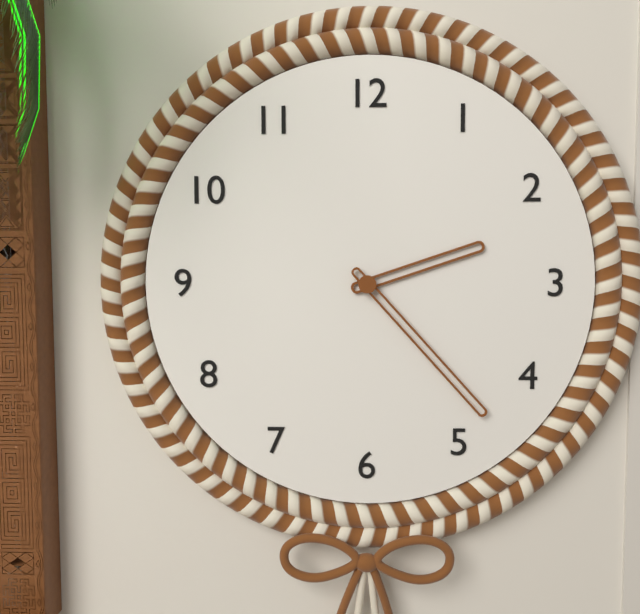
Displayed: **2:23**
